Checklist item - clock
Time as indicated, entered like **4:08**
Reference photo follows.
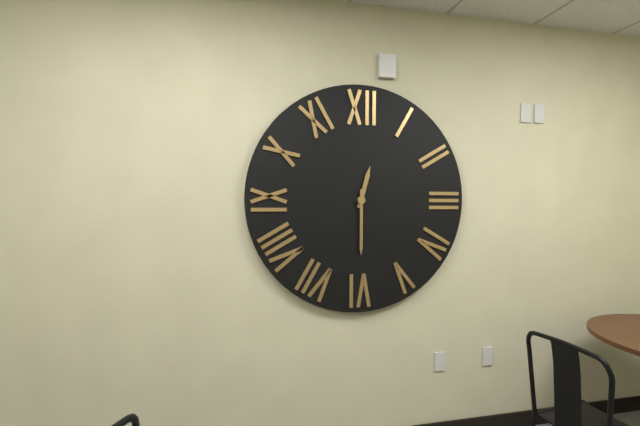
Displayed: **12:30**
